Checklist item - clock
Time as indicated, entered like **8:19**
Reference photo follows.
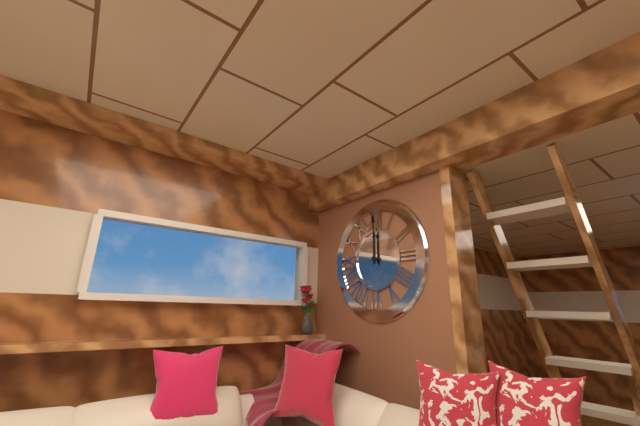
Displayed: **12:00**
